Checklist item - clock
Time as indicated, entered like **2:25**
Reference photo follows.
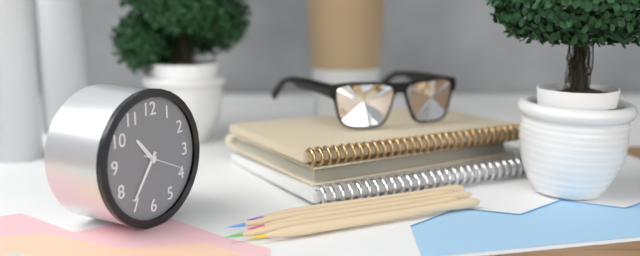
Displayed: **10:36**
